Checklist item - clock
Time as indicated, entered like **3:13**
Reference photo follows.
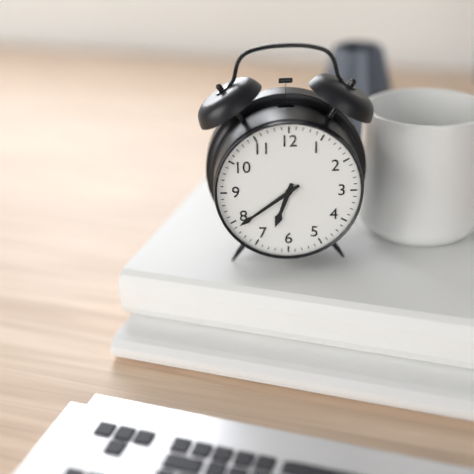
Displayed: **6:39**
